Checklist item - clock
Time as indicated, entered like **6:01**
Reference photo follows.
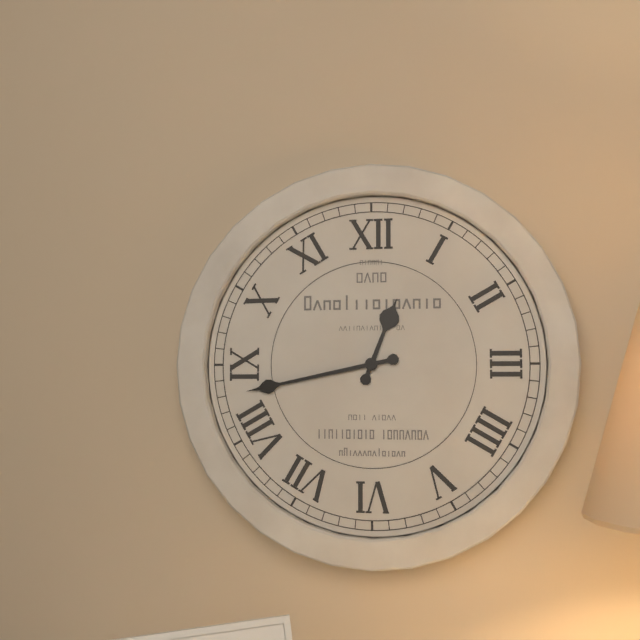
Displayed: **12:43**
